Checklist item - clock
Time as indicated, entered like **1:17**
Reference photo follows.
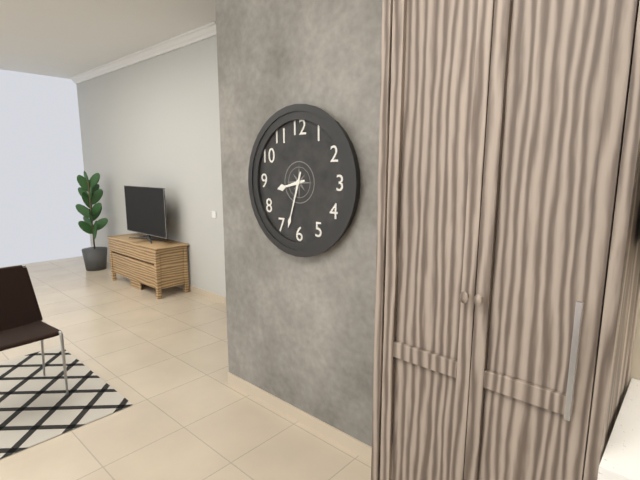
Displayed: **8:33**
